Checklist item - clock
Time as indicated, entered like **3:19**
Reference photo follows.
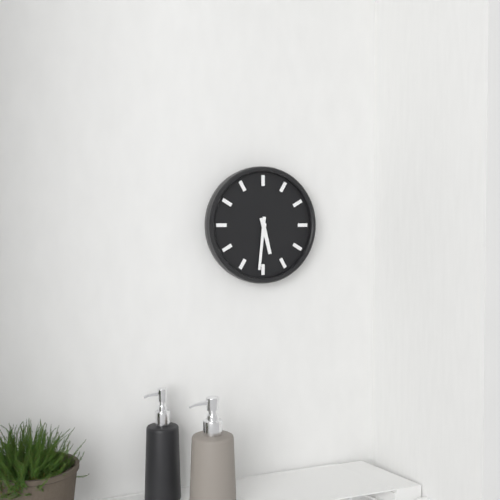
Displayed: **5:31**
